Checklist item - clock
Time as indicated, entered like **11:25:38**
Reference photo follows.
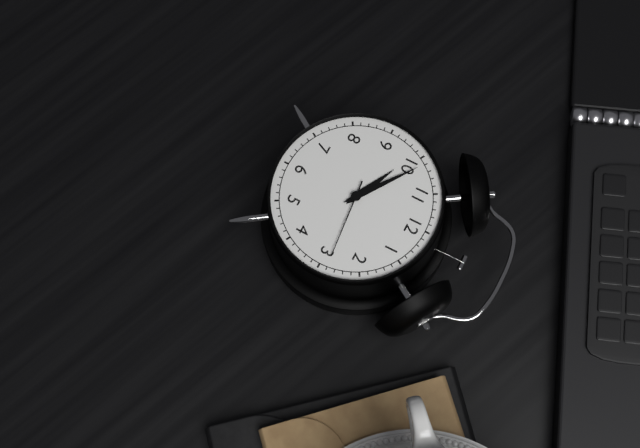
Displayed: **9:51:14**
